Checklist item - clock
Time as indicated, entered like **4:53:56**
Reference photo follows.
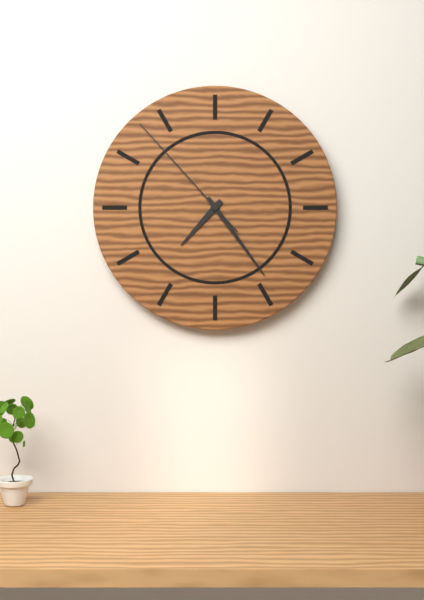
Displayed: **7:24:53**
